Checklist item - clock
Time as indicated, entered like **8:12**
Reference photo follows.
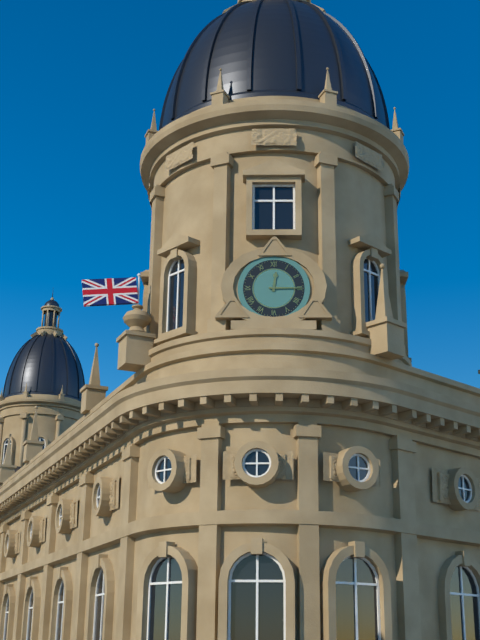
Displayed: **12:15**
